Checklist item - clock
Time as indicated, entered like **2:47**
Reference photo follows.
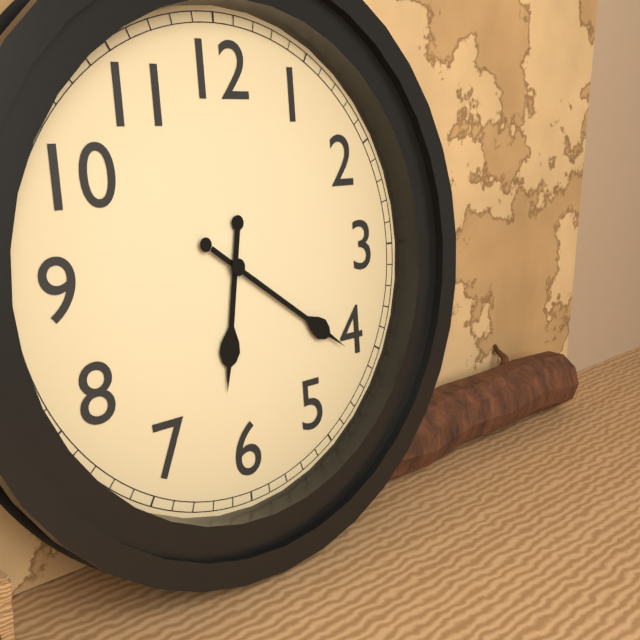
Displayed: **6:21**
